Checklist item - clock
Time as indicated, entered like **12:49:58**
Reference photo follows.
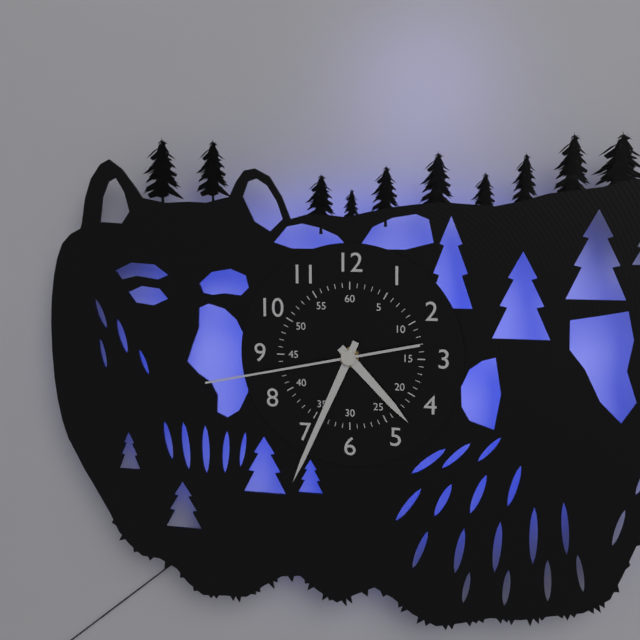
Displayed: **4:34:43**
